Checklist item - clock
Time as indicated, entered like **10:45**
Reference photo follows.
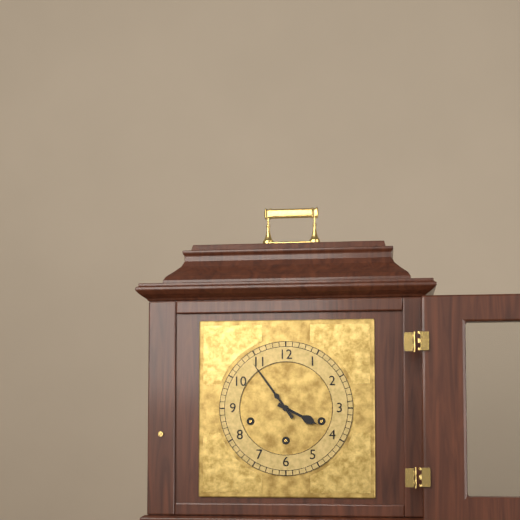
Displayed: **3:54**
